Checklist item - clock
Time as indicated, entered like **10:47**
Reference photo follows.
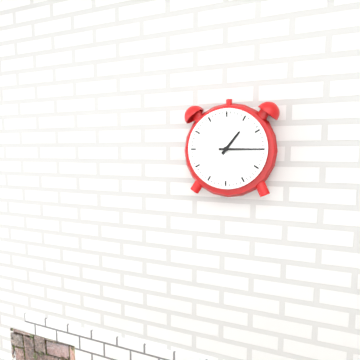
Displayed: **1:15**
